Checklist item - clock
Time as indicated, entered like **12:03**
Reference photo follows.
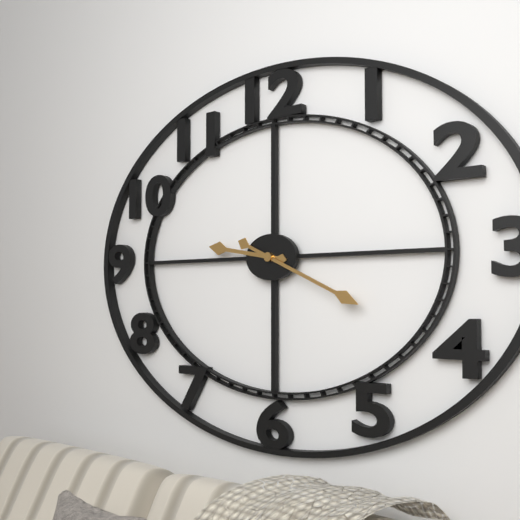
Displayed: **9:19**
